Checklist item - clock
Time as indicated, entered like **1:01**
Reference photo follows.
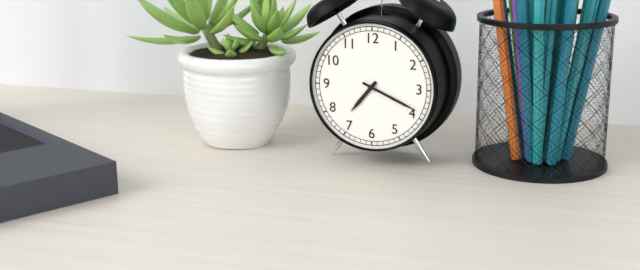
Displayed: **7:19**
